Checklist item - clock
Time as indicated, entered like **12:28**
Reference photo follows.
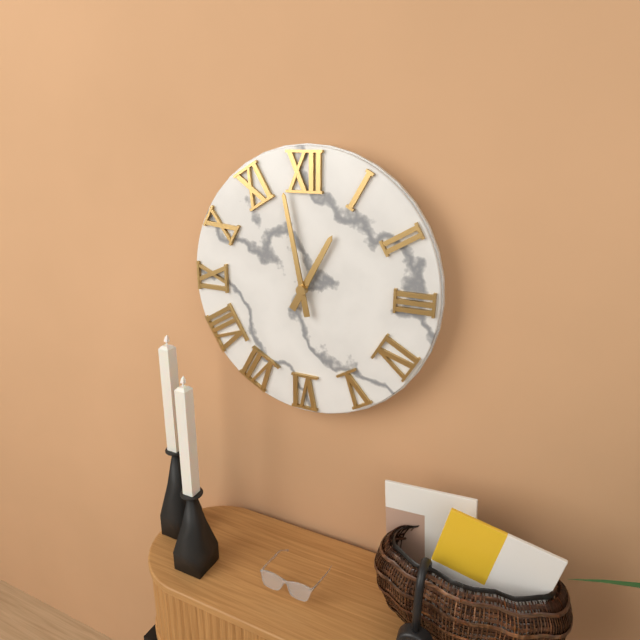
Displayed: **12:58**
